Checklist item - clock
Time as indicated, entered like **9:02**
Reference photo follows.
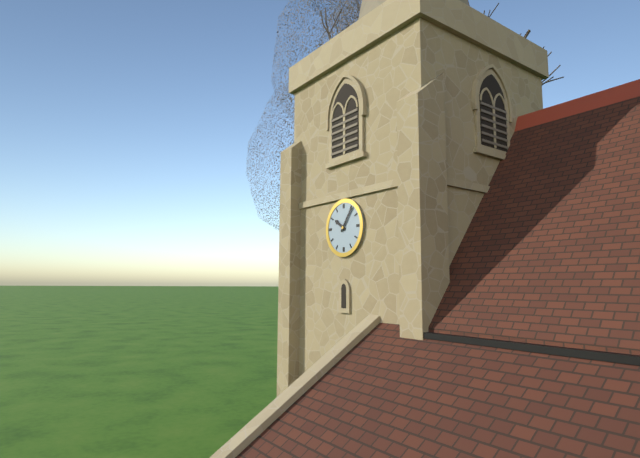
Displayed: **10:06**
